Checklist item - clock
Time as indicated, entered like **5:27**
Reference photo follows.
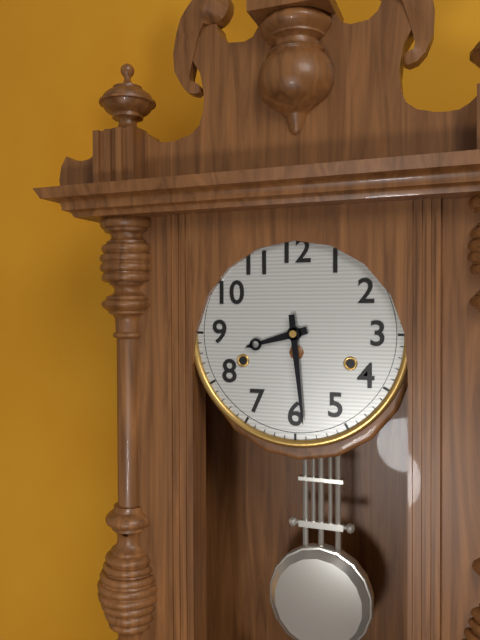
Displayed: **8:29**
